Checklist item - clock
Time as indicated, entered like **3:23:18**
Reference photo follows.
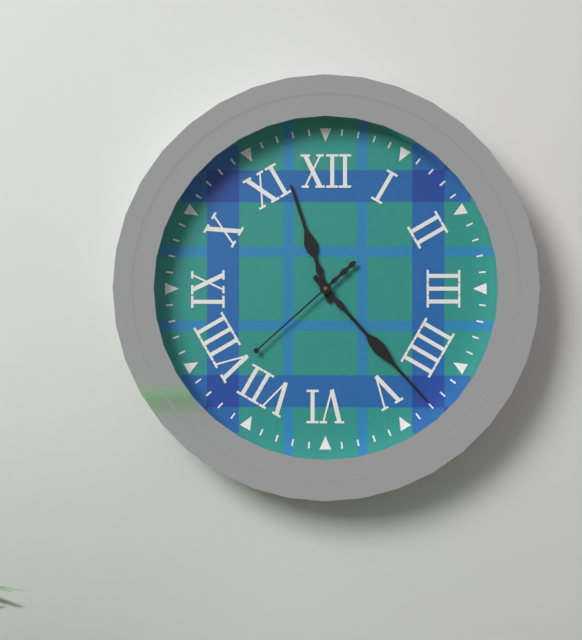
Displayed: **11:23:38**
